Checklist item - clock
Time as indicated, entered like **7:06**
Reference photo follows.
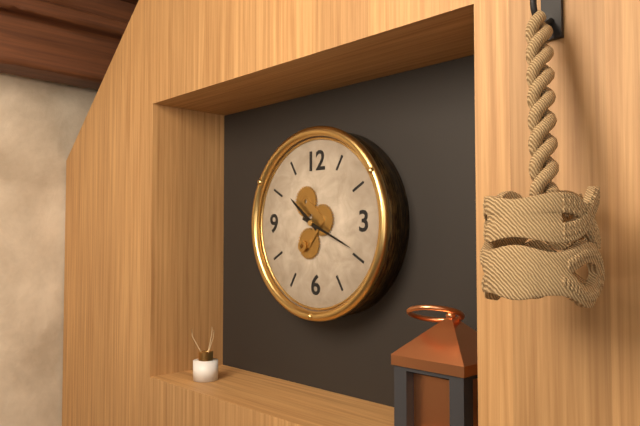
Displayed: **10:19**
